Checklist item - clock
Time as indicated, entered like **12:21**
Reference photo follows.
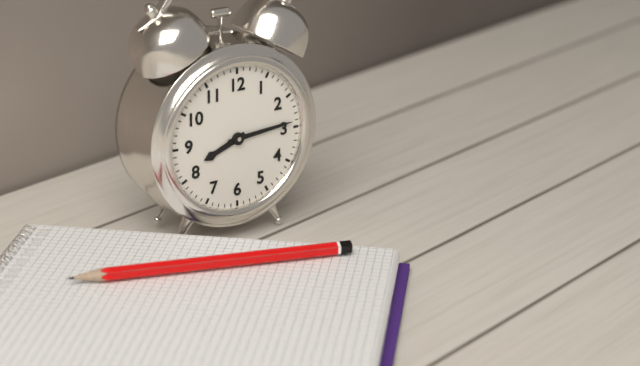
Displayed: **8:14**
